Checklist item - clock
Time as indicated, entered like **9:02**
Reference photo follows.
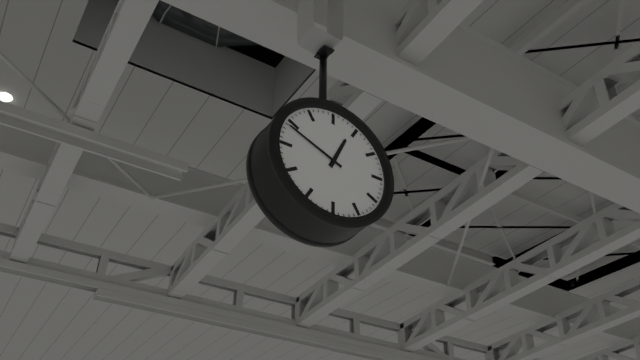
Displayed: **12:49**
